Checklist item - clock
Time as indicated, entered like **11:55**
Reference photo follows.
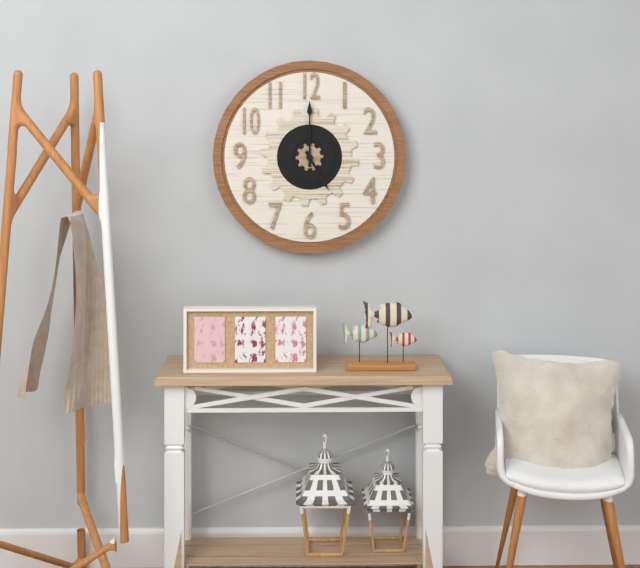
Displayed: **5:00**
